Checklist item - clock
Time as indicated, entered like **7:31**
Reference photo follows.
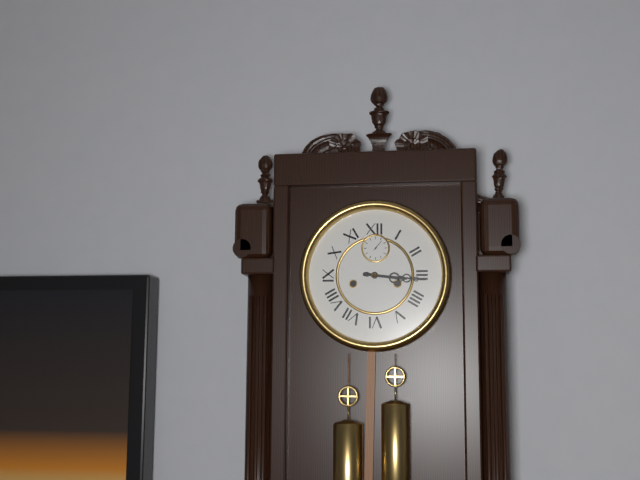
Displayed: **3:16**
